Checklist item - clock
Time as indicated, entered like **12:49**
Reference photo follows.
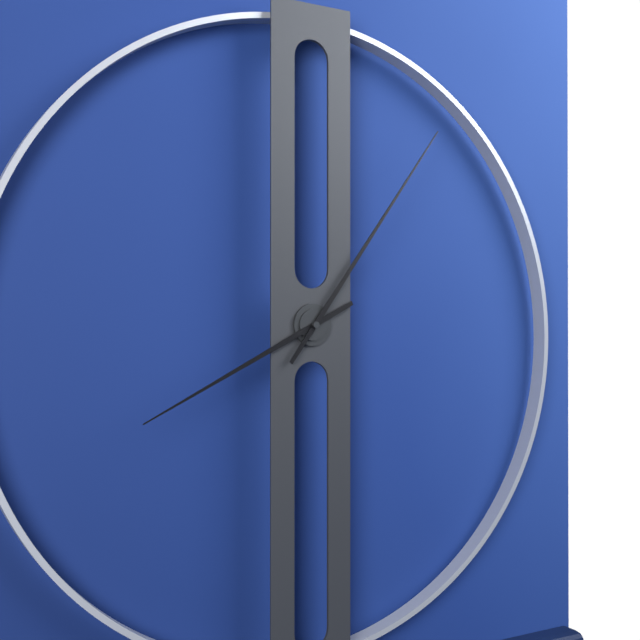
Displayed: **8:06**
